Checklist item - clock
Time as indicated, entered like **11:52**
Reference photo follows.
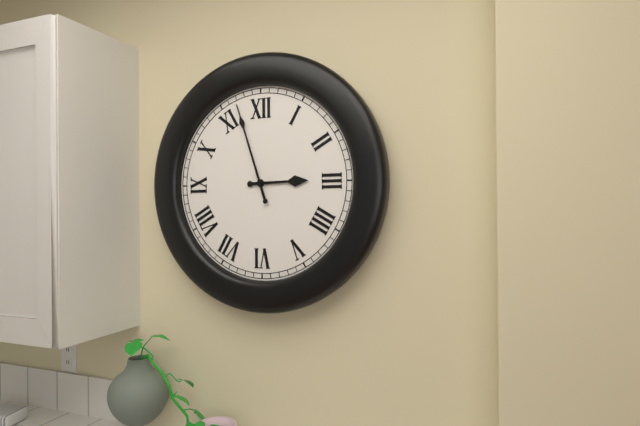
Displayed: **2:57**
